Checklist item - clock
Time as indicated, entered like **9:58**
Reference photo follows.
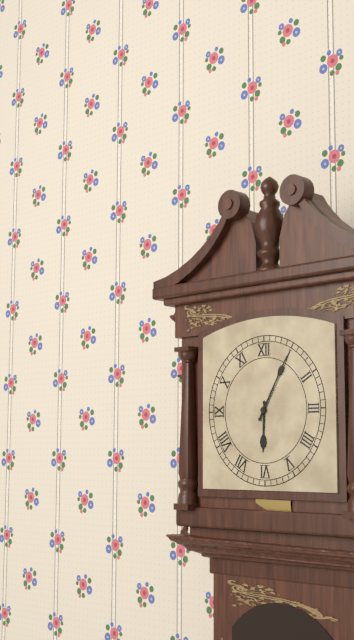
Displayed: **6:05**
